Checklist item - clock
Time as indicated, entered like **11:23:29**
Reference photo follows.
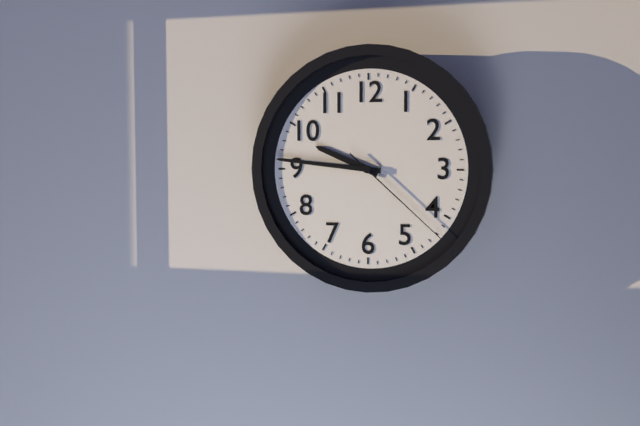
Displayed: **9:46:22**
